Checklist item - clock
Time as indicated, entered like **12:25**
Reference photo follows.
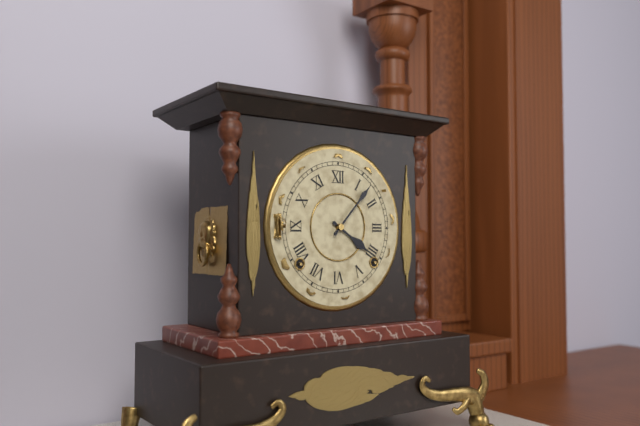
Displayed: **4:07**
